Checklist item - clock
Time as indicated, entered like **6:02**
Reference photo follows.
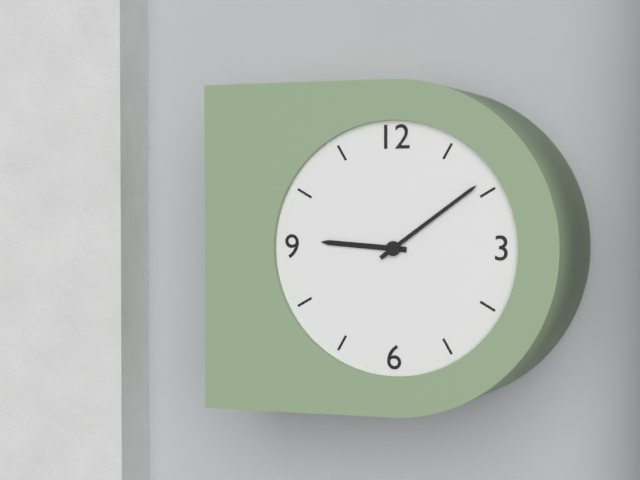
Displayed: **9:09**
